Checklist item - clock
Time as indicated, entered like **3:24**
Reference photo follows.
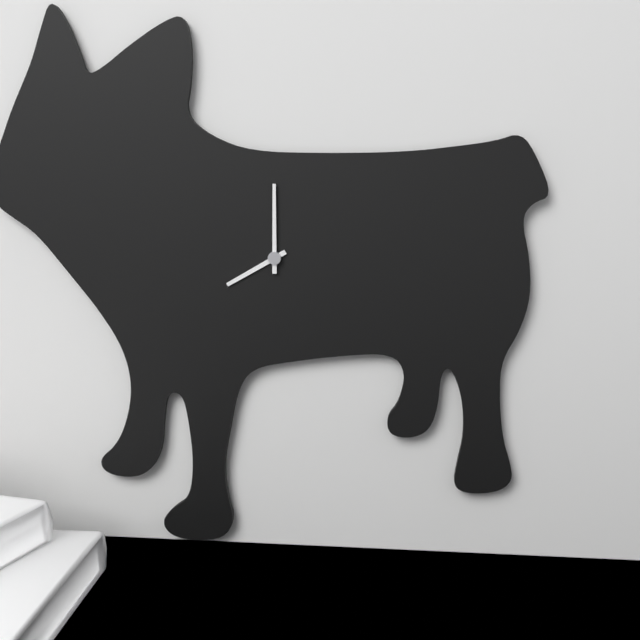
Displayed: **8:00**
